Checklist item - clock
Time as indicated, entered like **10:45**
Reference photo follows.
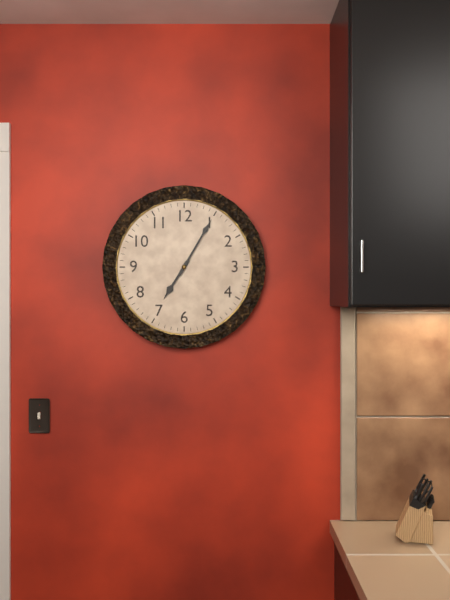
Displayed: **7:05**
